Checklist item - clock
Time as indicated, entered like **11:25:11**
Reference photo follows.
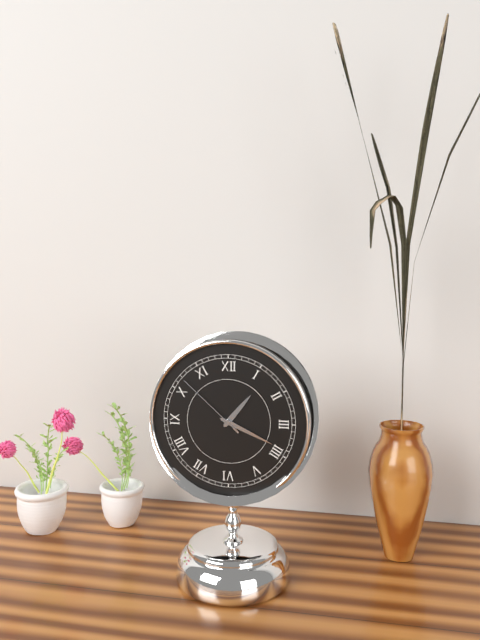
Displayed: **1:19:52**
